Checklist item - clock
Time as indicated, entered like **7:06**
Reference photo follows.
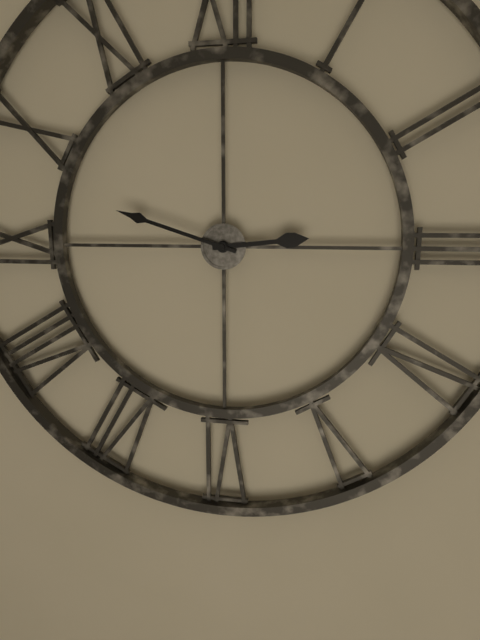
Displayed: **2:48**
